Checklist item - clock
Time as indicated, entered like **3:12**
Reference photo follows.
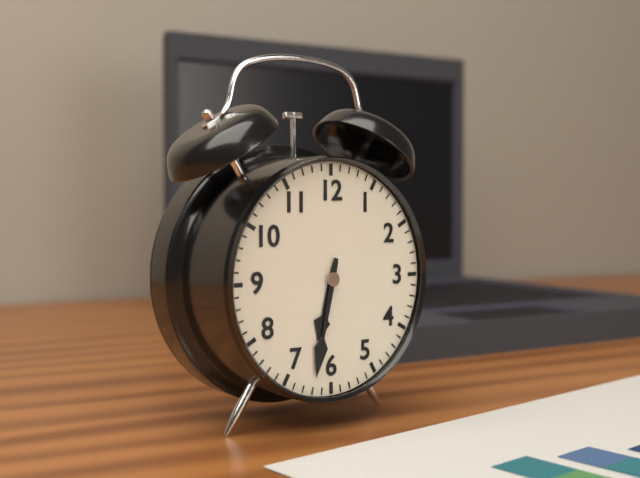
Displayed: **6:32**
